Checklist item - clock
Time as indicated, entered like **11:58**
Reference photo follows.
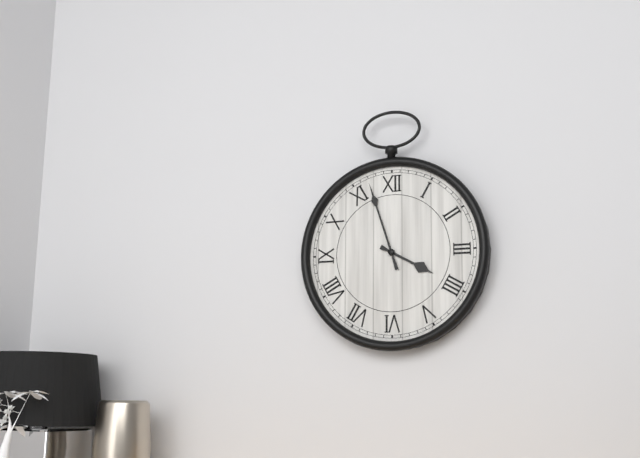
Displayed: **3:57**
